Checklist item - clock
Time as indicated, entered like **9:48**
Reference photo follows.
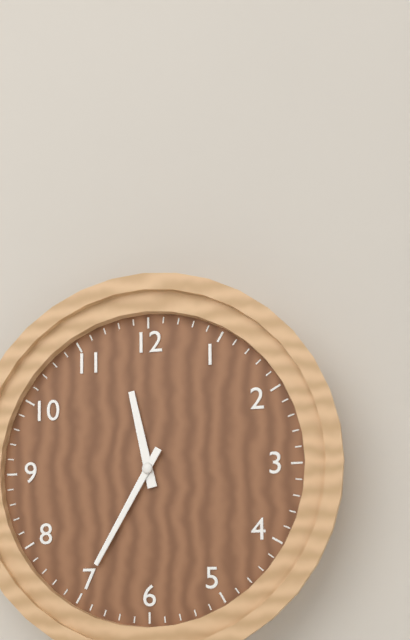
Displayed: **11:35**
